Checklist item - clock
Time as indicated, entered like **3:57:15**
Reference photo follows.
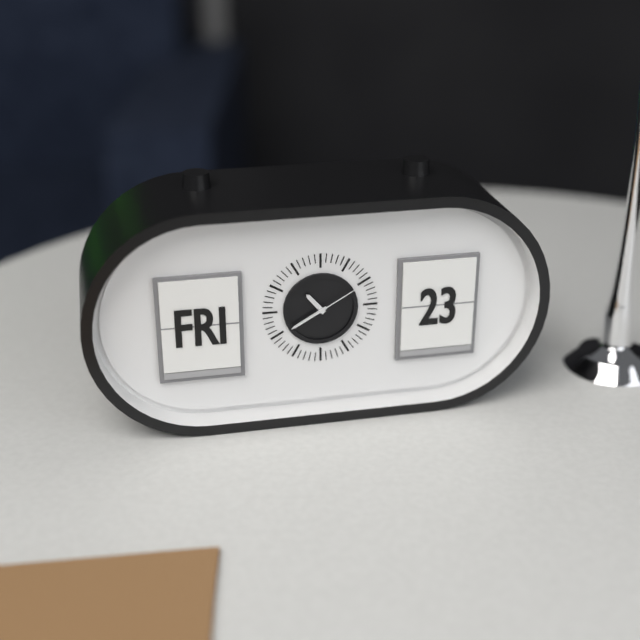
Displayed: **10:40:10**
